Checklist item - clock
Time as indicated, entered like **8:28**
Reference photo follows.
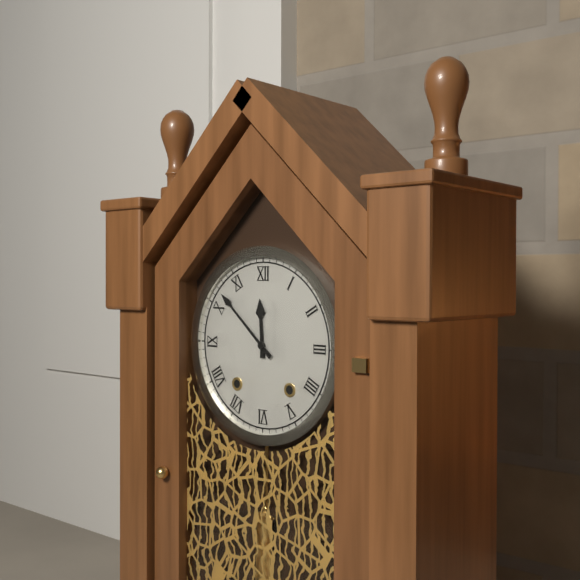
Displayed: **11:52**
